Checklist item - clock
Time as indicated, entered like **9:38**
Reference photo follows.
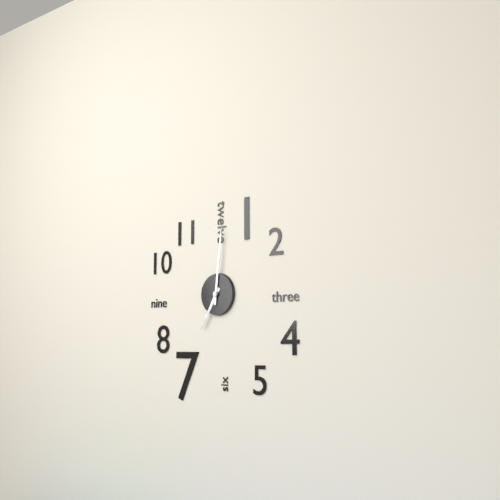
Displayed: **7:01**
